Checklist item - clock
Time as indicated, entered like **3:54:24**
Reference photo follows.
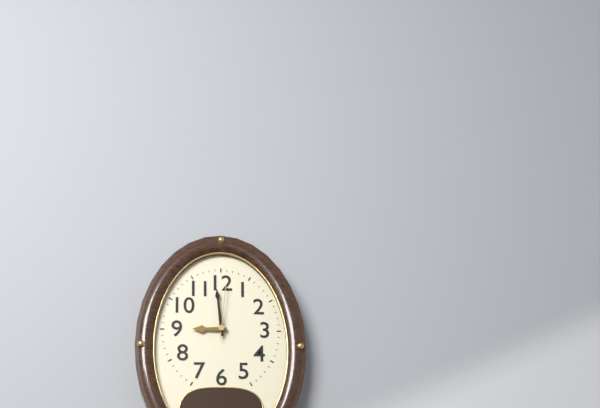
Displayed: **8:59:01**
